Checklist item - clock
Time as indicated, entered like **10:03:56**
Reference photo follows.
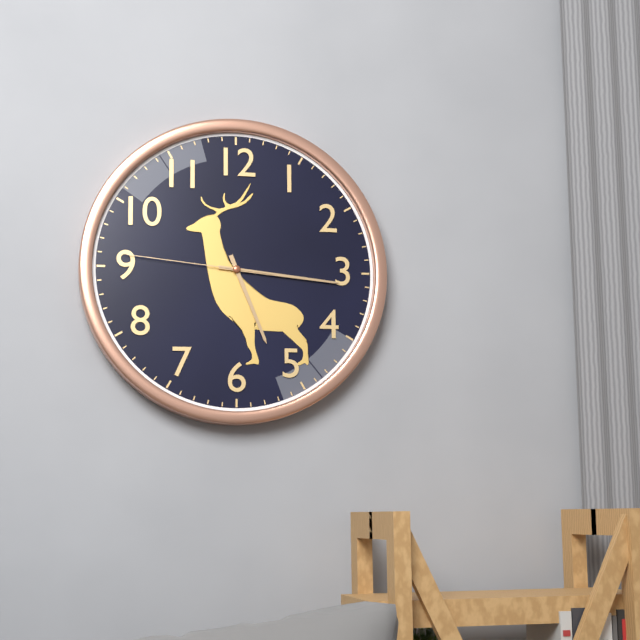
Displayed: **5:16:46**
